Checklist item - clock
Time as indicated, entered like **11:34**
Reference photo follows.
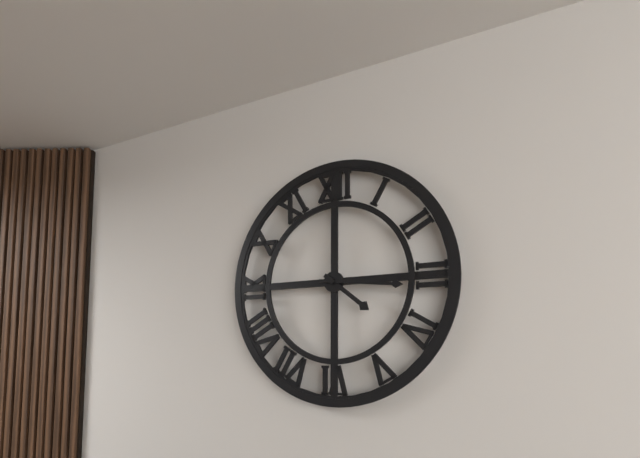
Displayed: **4:16**
